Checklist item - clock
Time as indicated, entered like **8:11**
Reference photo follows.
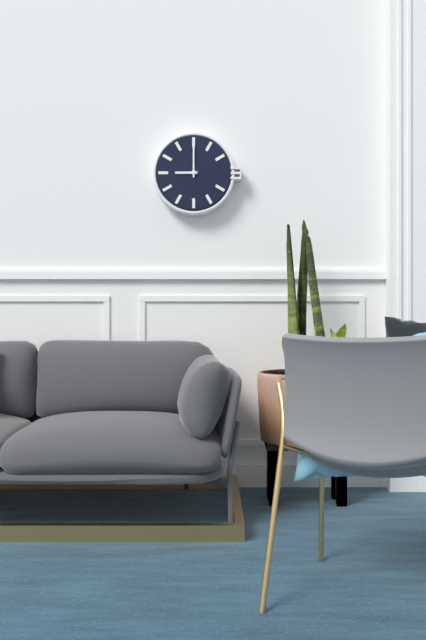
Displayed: **9:00**
